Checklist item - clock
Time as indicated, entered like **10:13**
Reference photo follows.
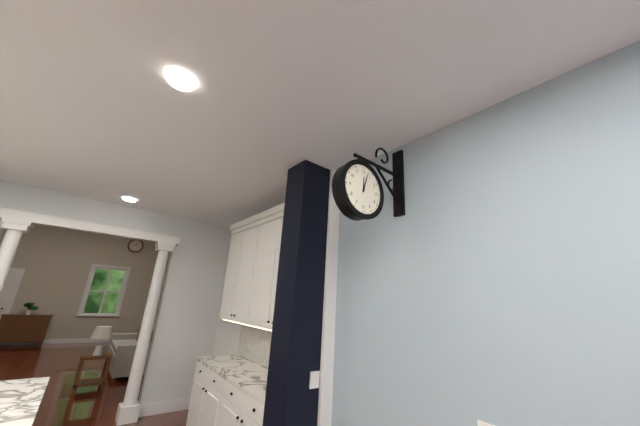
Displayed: **12:03**
